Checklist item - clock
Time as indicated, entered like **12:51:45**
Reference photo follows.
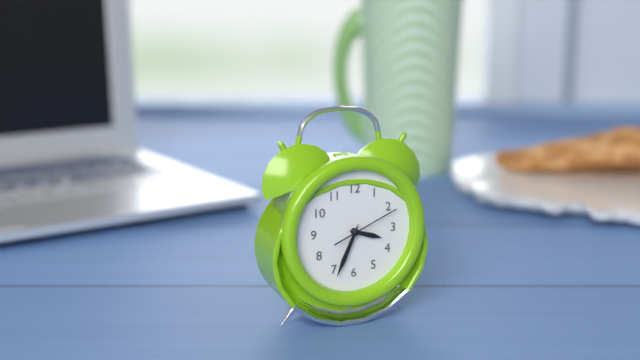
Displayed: **3:34:11**
